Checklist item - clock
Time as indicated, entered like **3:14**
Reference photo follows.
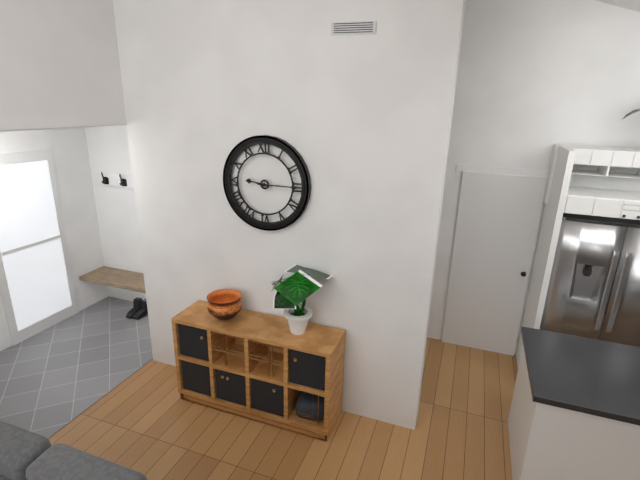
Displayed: **9:15**
